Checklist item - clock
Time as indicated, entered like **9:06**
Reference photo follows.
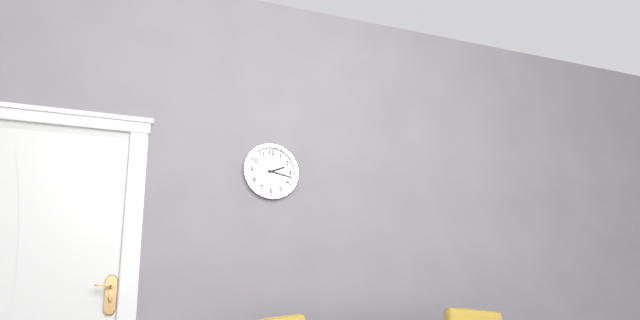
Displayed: **2:17**
